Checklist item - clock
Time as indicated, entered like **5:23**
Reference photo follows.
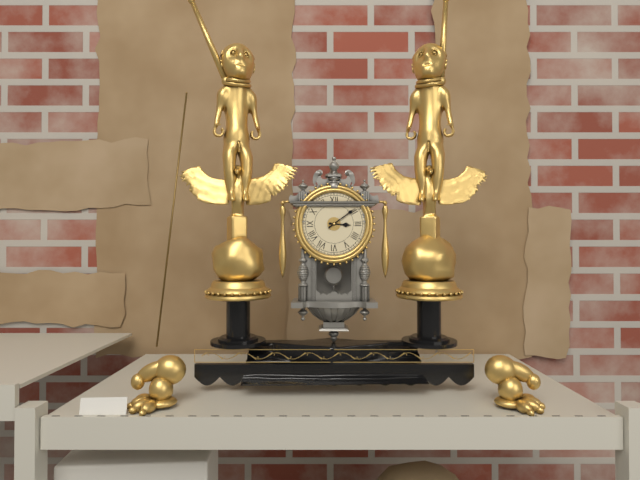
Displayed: **3:09**
